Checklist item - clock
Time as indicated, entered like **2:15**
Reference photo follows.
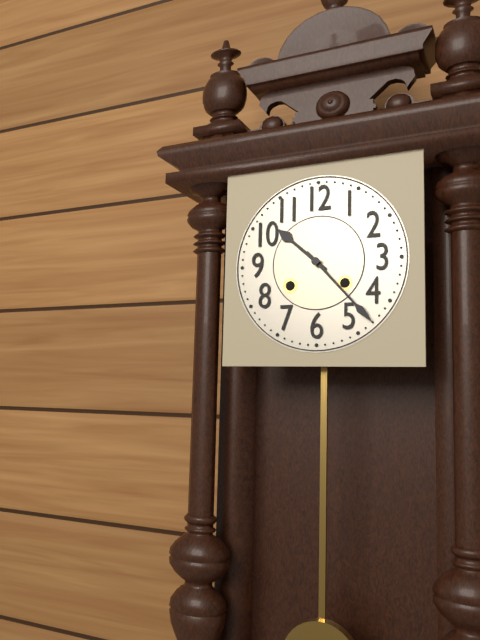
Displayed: **10:23**
